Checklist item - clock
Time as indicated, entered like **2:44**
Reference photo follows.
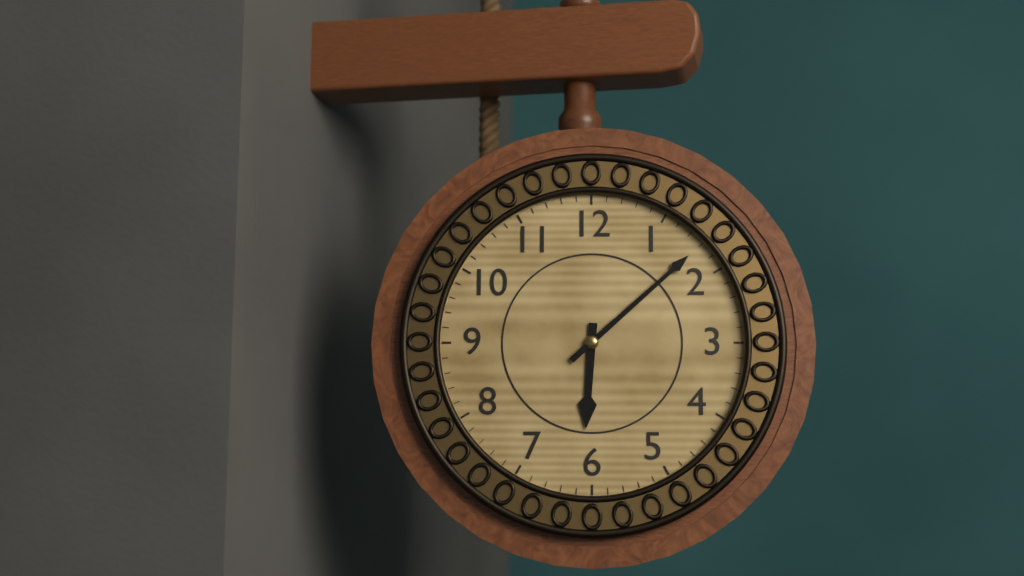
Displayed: **6:08**
